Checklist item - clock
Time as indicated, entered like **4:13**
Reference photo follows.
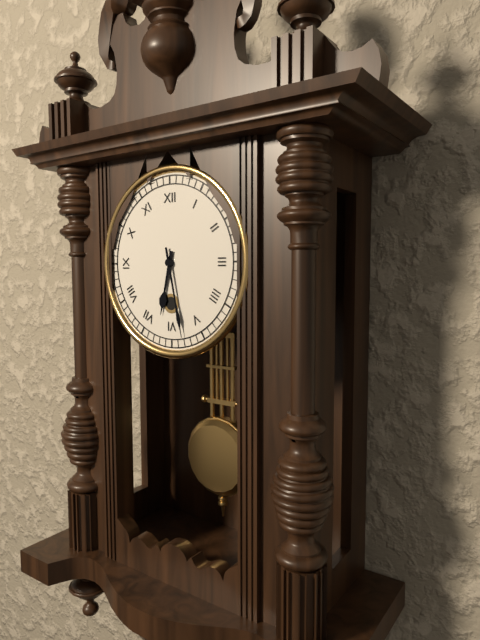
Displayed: **6:28**
